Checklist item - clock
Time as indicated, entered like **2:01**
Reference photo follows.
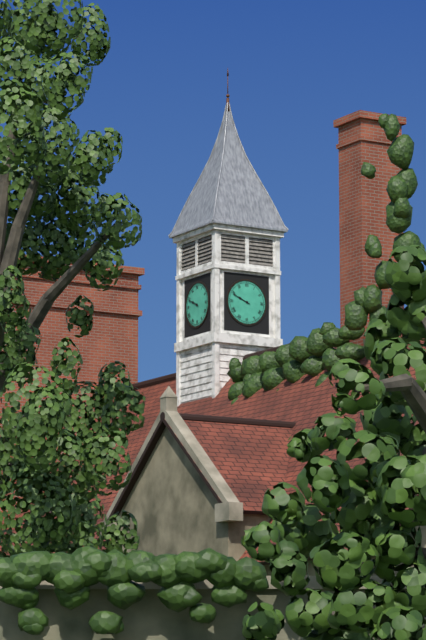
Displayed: **9:49**
